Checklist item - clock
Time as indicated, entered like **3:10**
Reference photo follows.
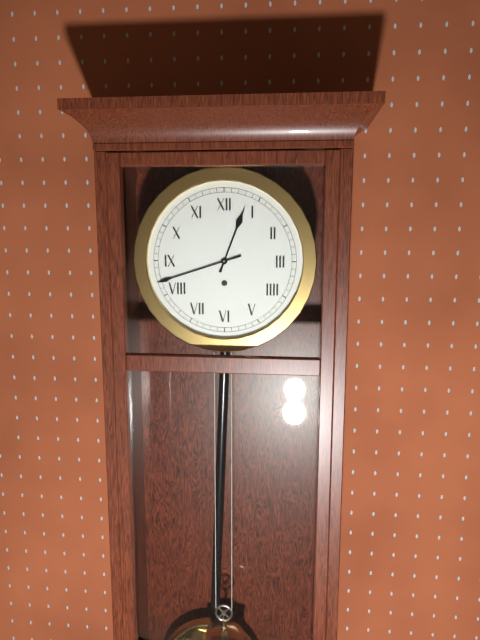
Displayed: **12:42**
